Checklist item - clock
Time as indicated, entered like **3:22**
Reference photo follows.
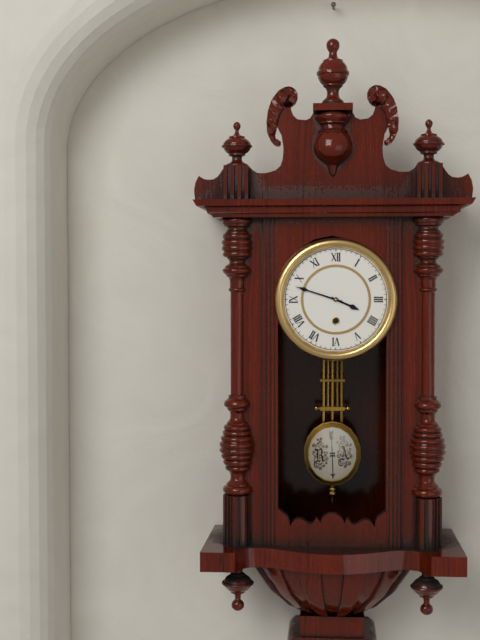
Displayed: **3:48**
